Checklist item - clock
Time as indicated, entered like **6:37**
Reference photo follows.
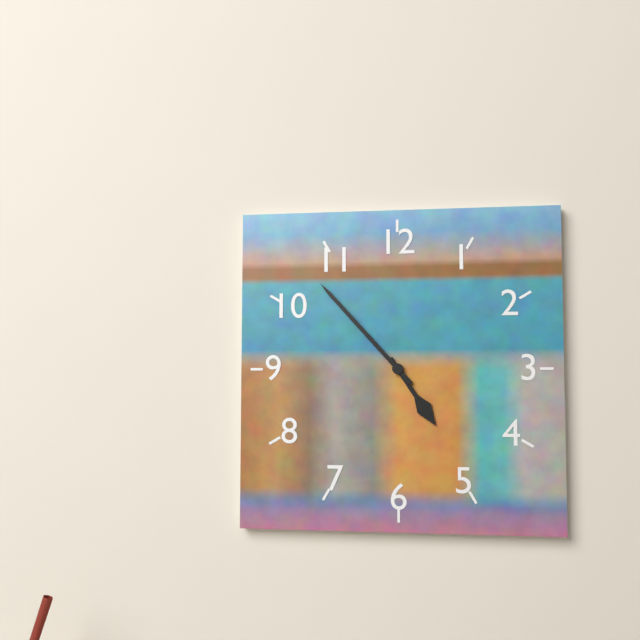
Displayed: **4:53**
